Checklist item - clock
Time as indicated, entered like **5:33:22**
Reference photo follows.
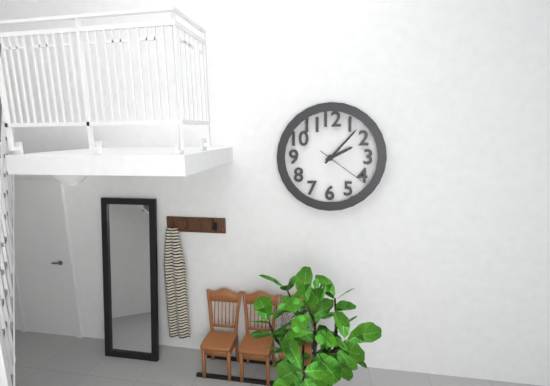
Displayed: **2:07:21**
